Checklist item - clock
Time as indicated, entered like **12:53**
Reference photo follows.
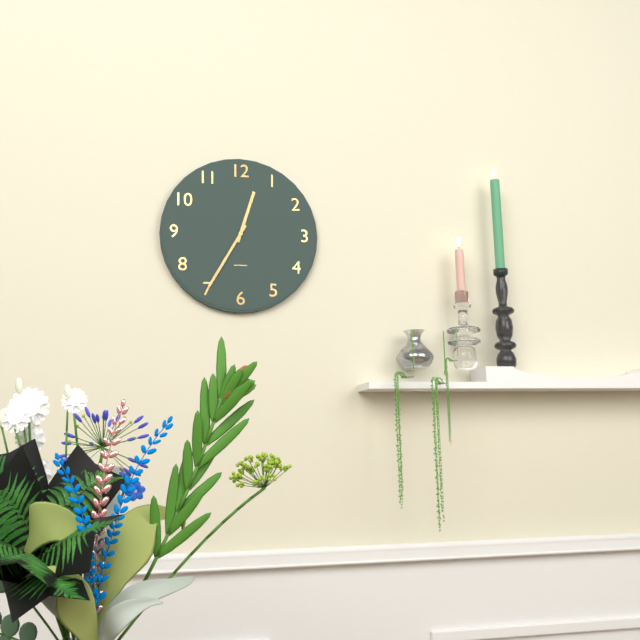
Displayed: **12:35**
